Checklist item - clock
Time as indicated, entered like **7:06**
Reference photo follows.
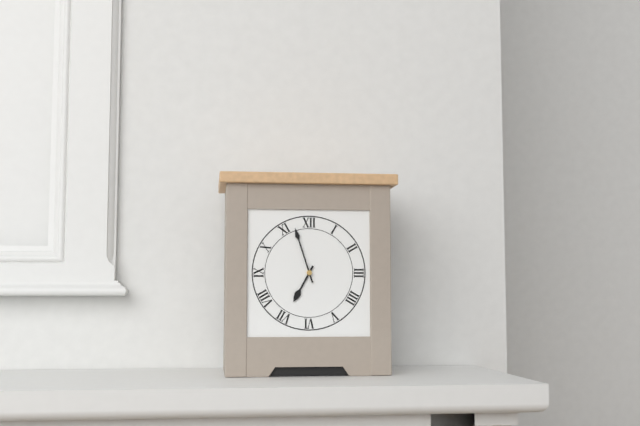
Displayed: **6:57**
